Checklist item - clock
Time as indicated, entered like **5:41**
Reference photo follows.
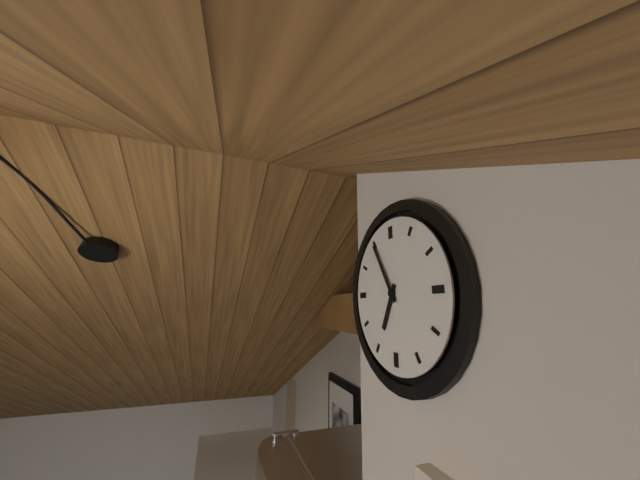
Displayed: **6:55**
